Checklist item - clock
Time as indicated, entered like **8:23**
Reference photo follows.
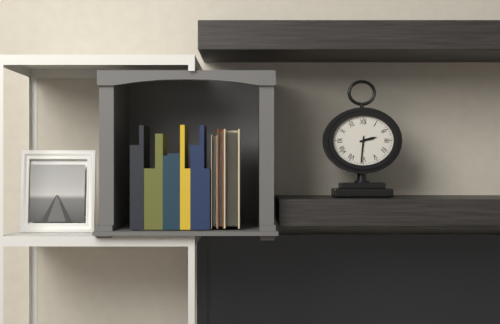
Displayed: **2:31**
